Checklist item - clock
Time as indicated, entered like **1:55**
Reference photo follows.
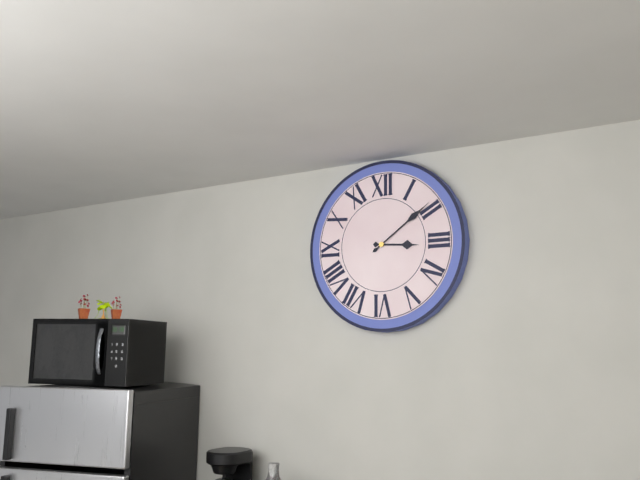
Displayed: **3:09**
